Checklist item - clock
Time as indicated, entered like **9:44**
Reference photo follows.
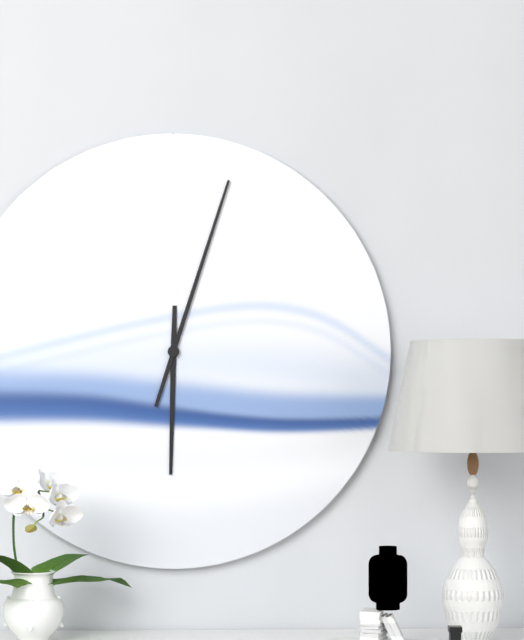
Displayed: **6:03**
